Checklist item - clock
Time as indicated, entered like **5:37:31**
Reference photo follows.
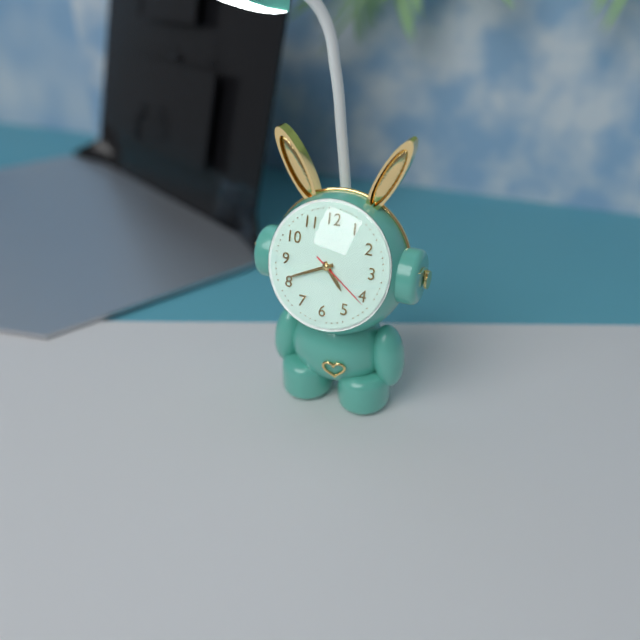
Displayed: **4:41:21**
